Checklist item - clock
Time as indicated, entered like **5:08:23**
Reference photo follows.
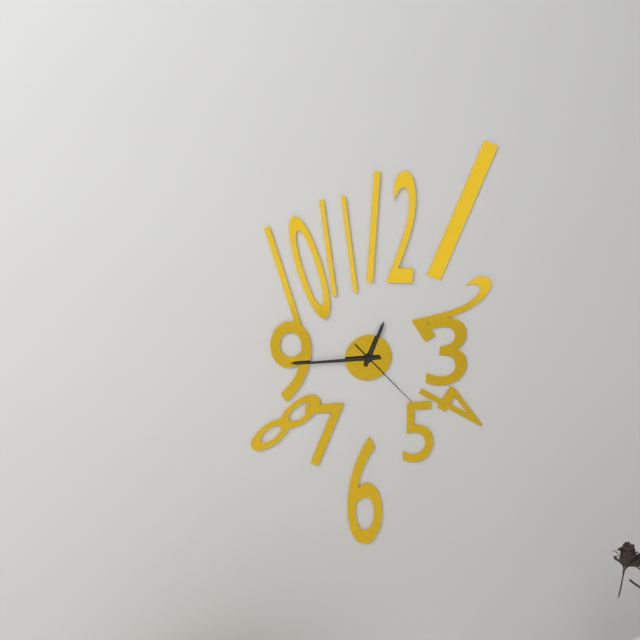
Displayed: **12:45:23**
